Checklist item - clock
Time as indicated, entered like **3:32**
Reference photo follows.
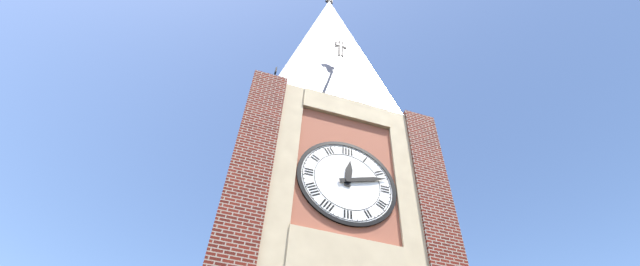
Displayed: **12:12**
